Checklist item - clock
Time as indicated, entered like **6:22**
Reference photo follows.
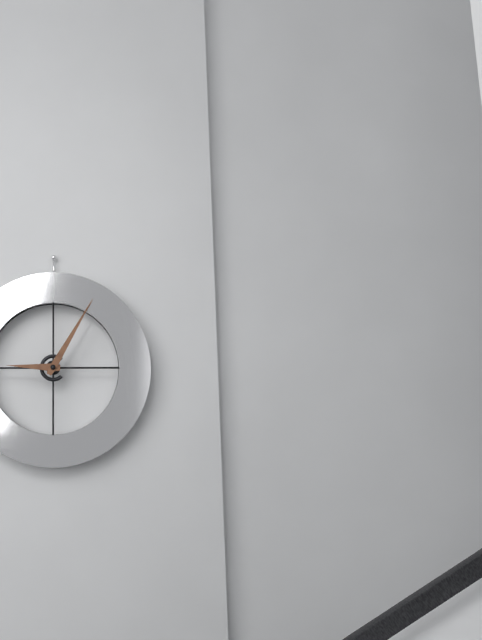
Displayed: **9:05**
